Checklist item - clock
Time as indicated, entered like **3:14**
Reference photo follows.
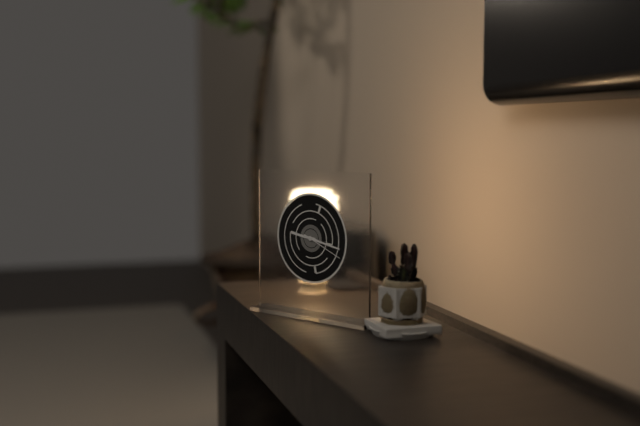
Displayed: **9:17**
